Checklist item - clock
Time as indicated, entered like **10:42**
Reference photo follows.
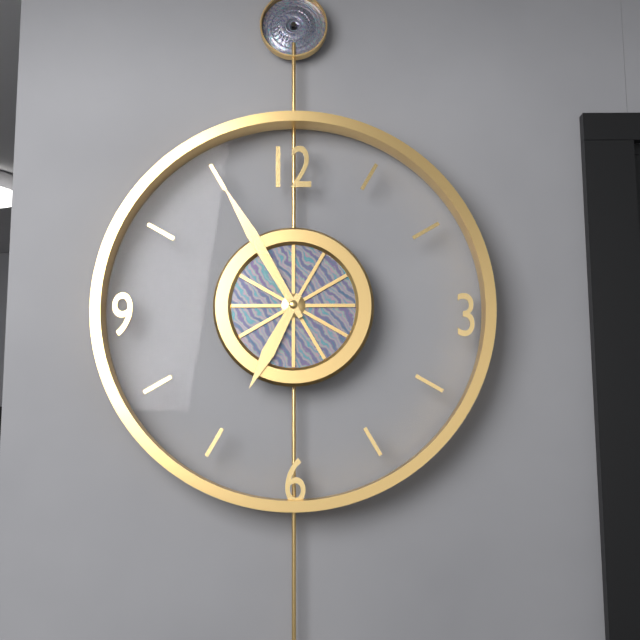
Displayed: **6:55**
